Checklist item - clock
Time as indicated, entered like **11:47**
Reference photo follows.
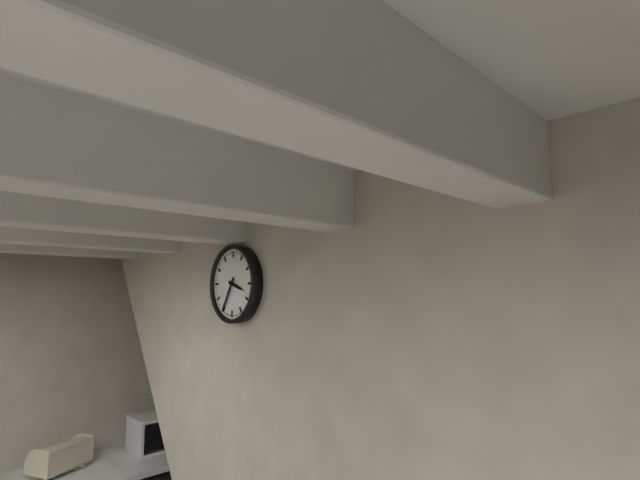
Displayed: **3:35**
